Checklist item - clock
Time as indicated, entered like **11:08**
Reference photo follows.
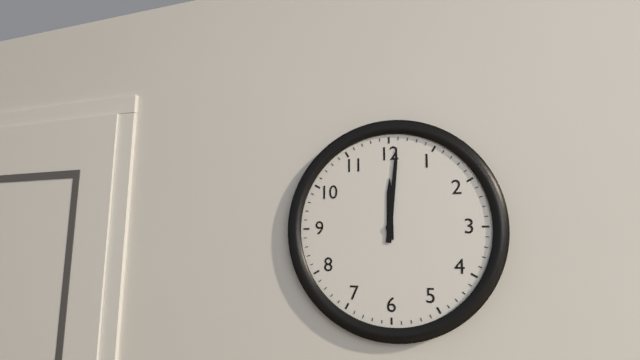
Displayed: **12:01**
